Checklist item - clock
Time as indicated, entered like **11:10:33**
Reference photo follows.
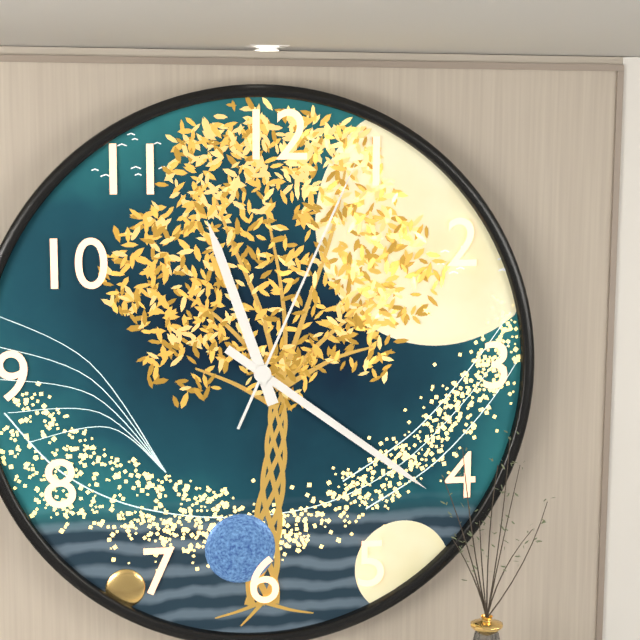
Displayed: **11:21:04**
